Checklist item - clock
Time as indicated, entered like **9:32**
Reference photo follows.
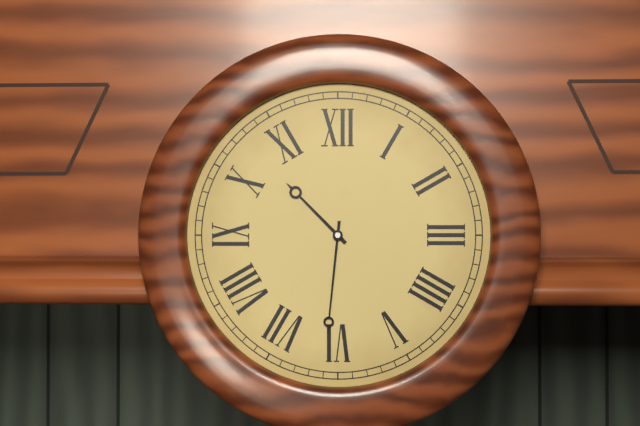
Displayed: **10:31**
